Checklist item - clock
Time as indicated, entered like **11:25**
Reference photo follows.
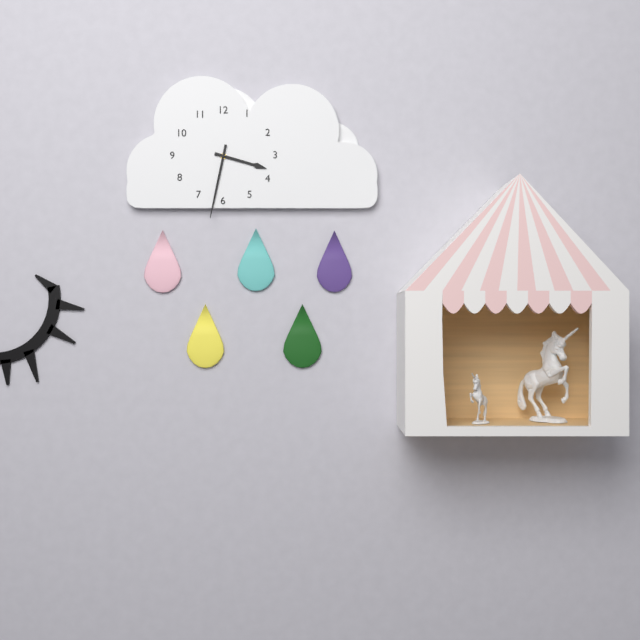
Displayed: **3:32**
